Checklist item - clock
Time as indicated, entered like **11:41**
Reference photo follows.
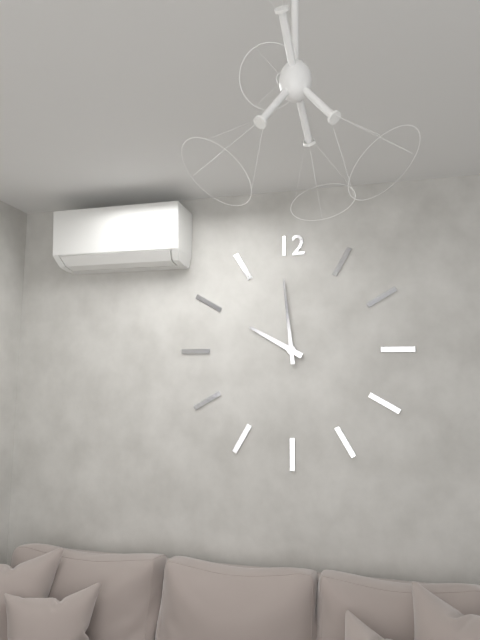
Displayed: **9:59**
